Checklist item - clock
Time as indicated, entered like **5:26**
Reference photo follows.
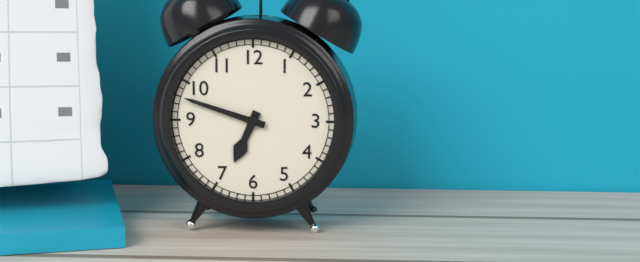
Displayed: **6:48**
